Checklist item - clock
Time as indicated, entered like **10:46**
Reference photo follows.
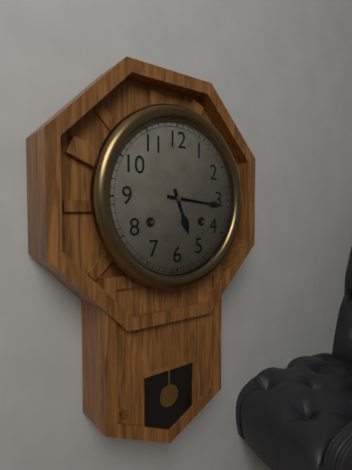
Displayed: **5:16**
